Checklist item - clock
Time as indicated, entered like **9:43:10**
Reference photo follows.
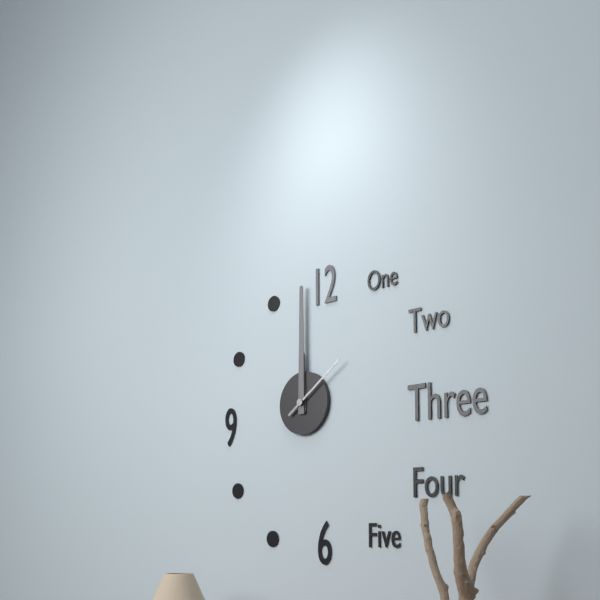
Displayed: **12:00:09**
